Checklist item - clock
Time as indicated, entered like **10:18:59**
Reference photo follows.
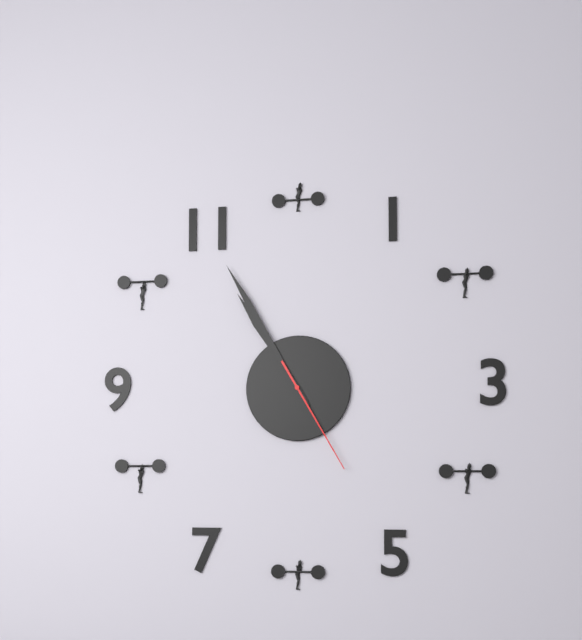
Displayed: **10:55:25**
